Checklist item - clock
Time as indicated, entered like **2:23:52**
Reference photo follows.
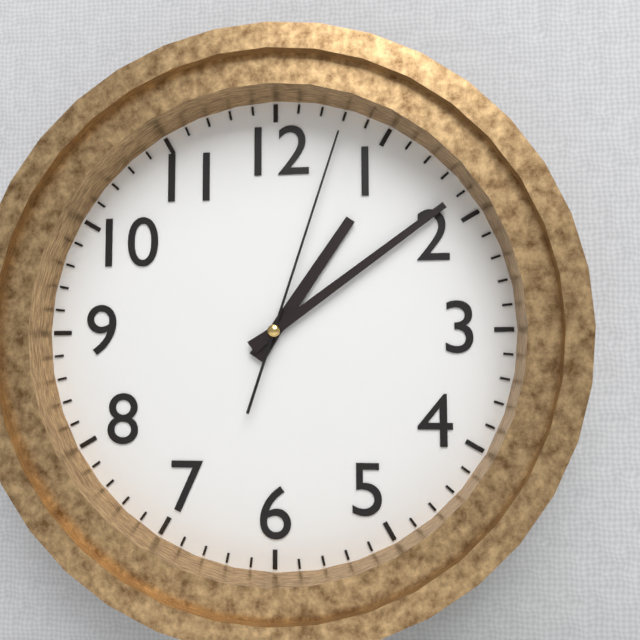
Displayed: **1:09:03**
